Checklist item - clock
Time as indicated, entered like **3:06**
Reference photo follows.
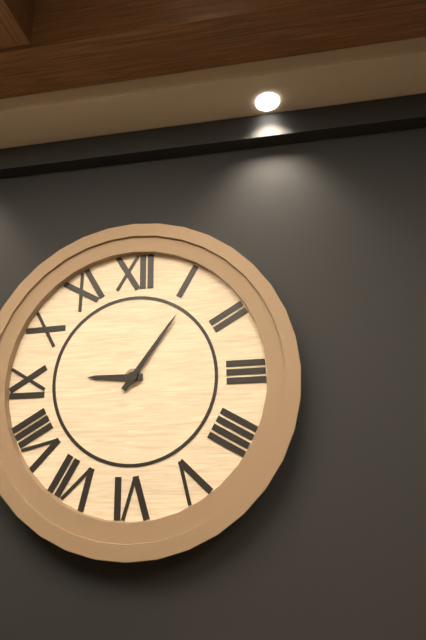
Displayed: **9:06**
